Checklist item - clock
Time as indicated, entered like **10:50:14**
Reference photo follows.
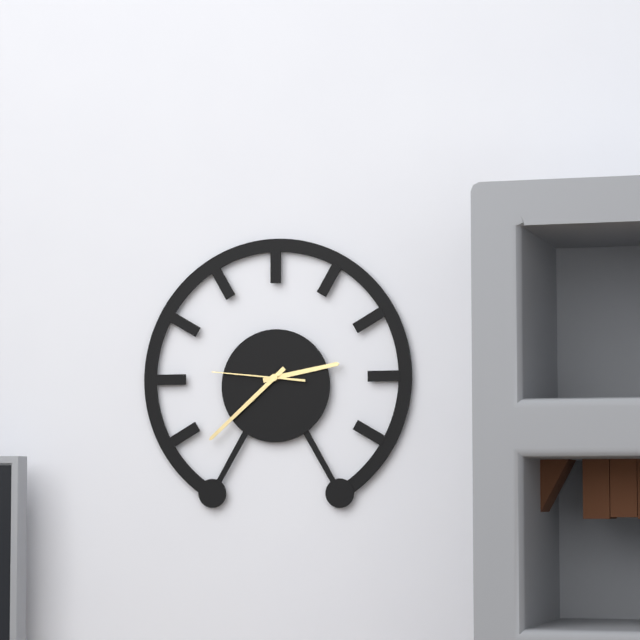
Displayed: **2:38:46**
